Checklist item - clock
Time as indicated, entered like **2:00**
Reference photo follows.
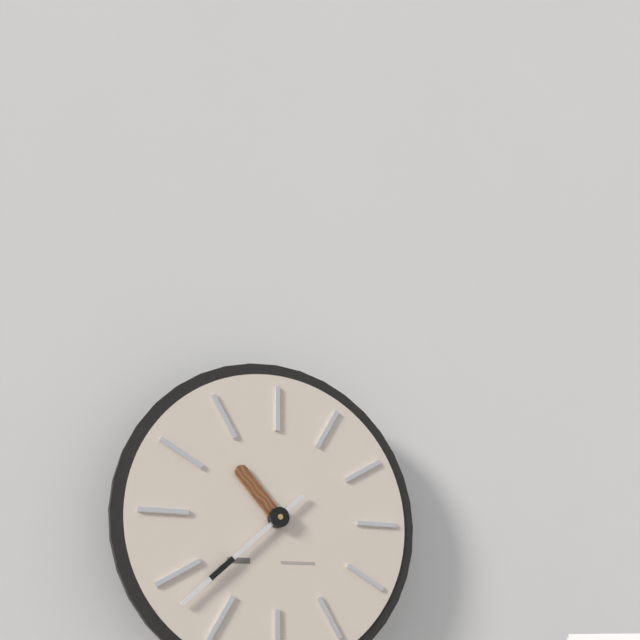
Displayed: **10:38**
